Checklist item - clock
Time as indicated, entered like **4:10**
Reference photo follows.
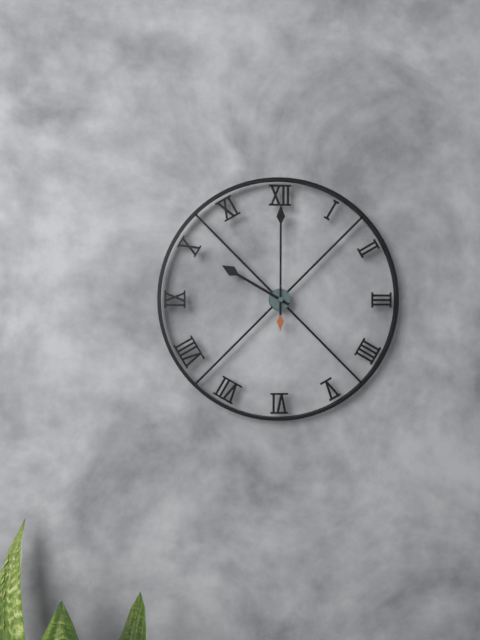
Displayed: **10:00**
